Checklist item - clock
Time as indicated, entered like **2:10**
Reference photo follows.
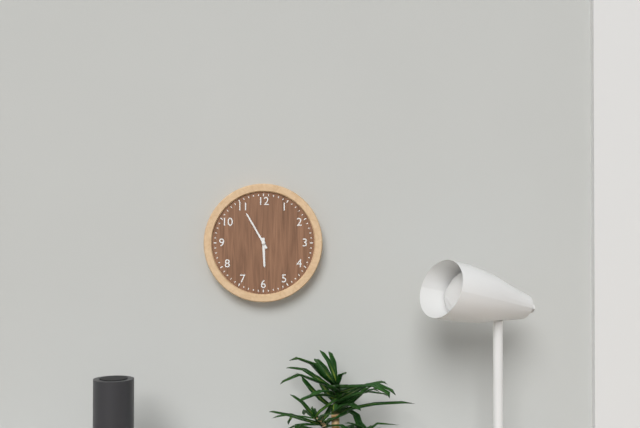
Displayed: **5:55**
